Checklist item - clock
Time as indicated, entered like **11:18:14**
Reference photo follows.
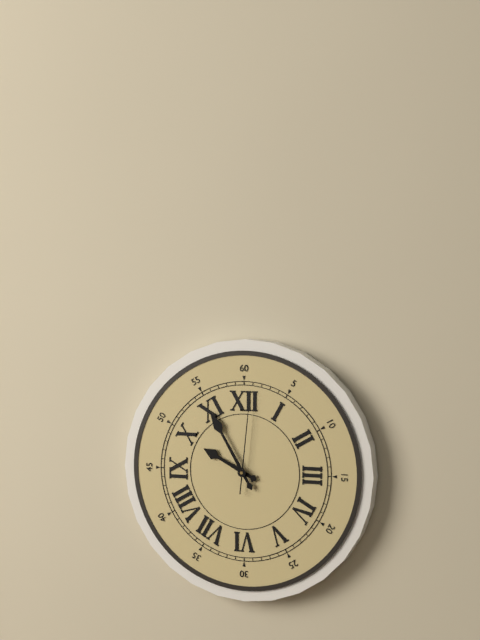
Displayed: **9:55:01**
